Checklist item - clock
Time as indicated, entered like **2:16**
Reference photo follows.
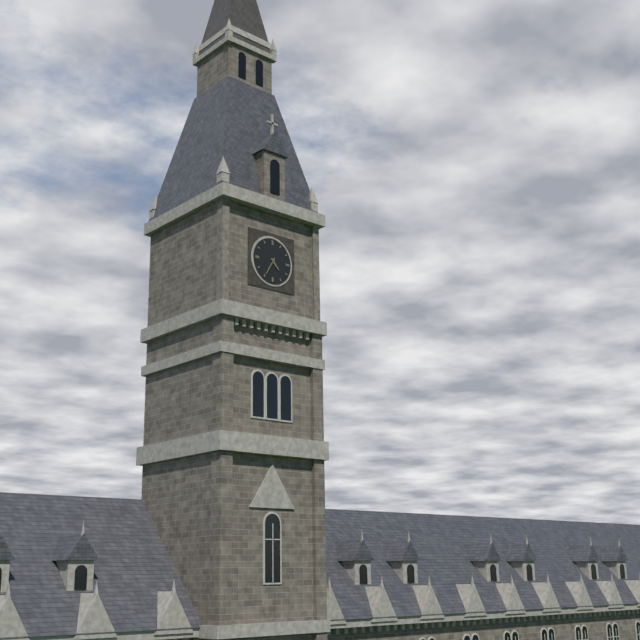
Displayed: **4:35**
